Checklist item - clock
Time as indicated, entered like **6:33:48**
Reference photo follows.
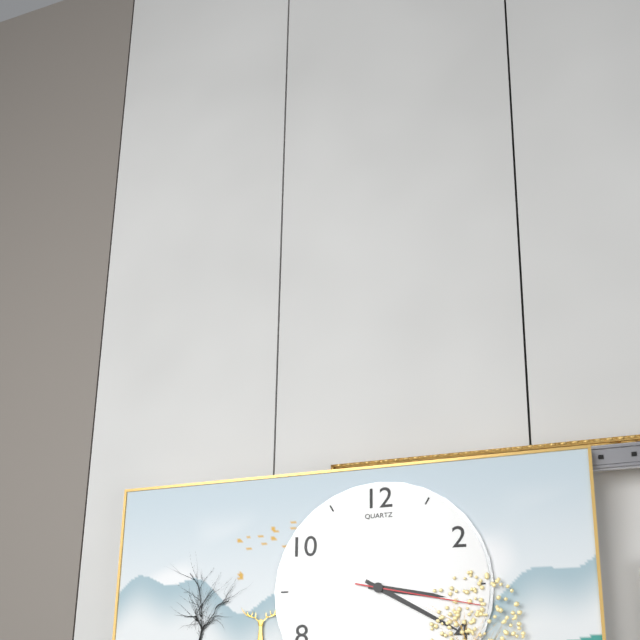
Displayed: **3:20:17**
